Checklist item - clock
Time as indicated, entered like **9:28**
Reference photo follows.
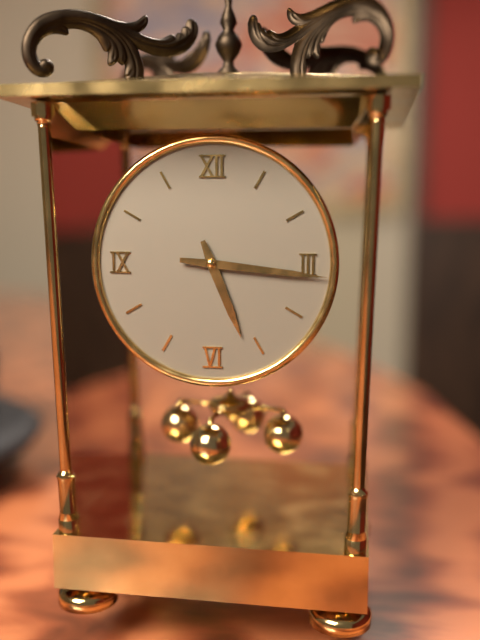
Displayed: **5:16**
